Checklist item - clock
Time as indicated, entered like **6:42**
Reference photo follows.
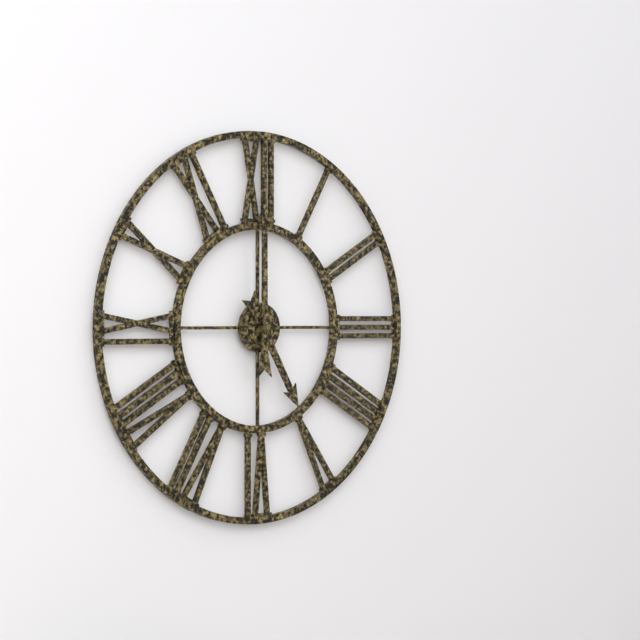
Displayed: **5:00**
